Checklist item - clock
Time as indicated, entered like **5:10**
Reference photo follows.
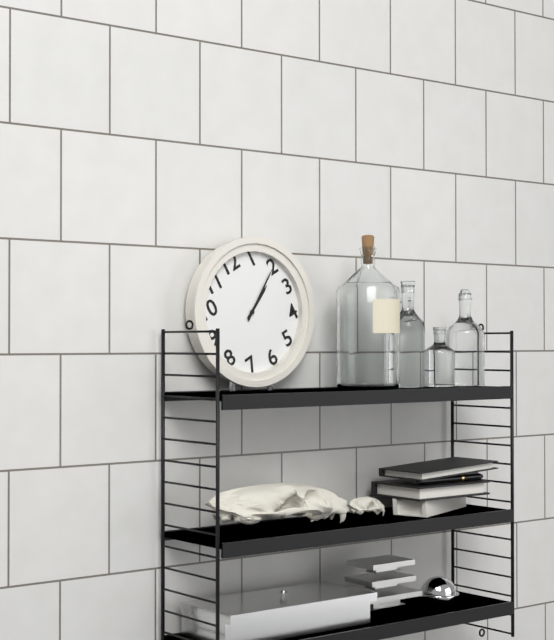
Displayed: **2:10**
